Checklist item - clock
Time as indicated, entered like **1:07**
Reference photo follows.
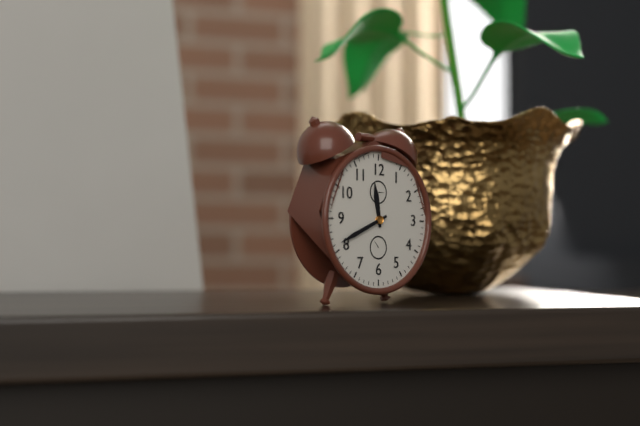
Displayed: **11:41**
